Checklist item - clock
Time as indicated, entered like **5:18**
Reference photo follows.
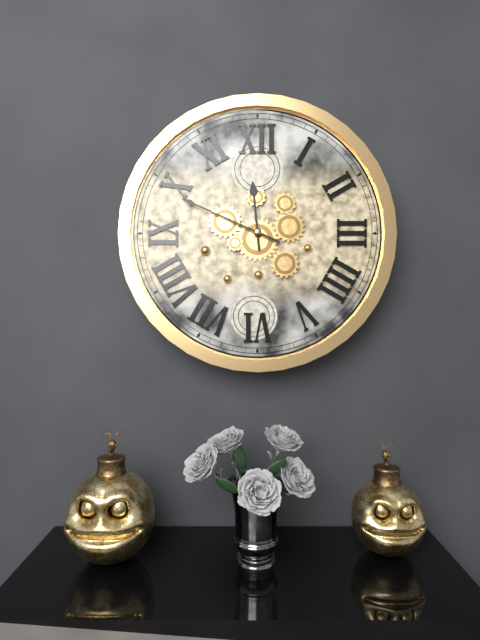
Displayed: **11:49**
